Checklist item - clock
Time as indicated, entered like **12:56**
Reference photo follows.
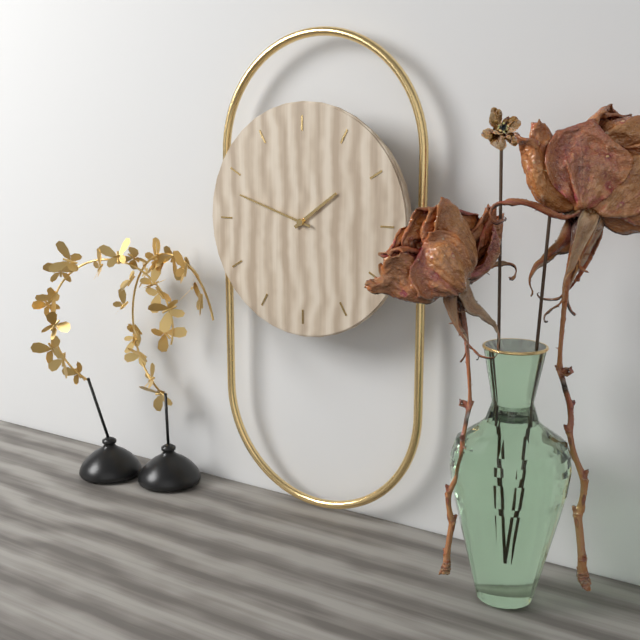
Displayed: **1:48**
